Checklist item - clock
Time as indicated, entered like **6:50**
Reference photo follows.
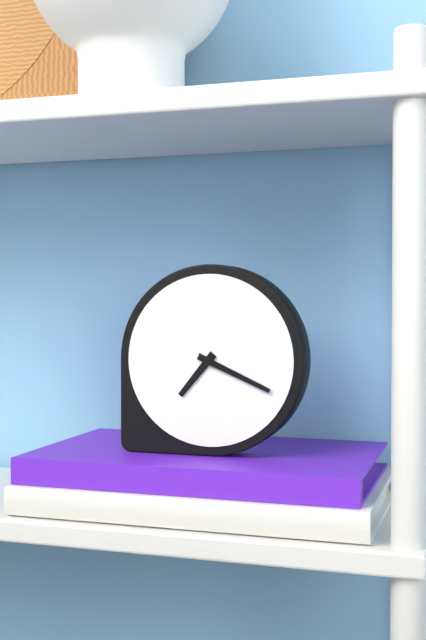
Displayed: **7:19**
